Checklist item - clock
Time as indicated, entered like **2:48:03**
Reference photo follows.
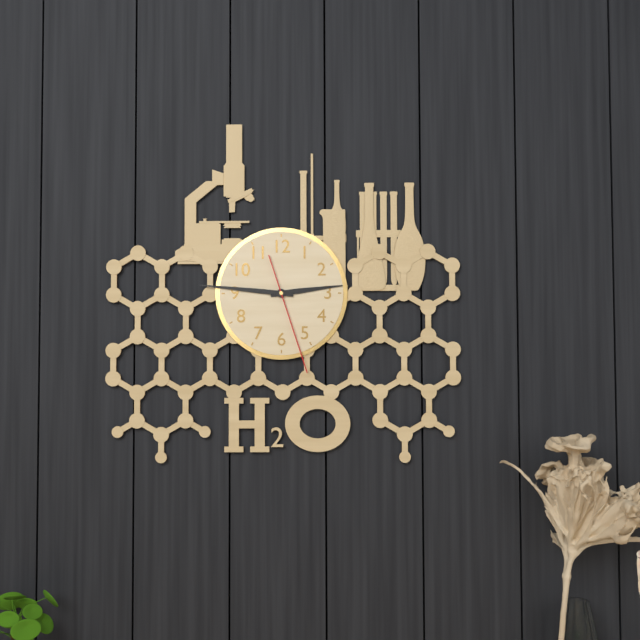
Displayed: **2:46:27**
